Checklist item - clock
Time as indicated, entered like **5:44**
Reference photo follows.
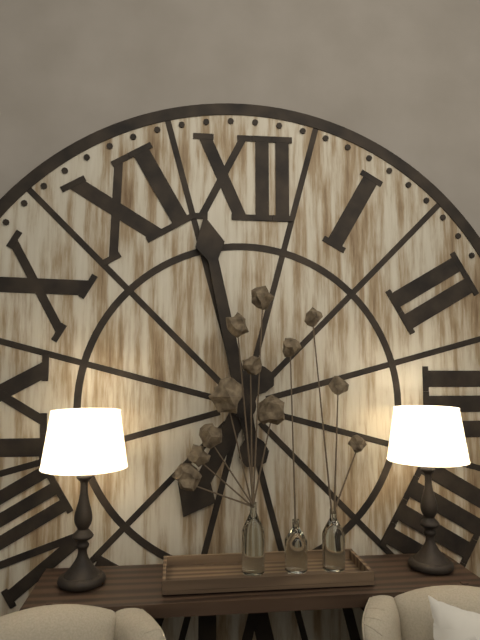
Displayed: **6:58**
